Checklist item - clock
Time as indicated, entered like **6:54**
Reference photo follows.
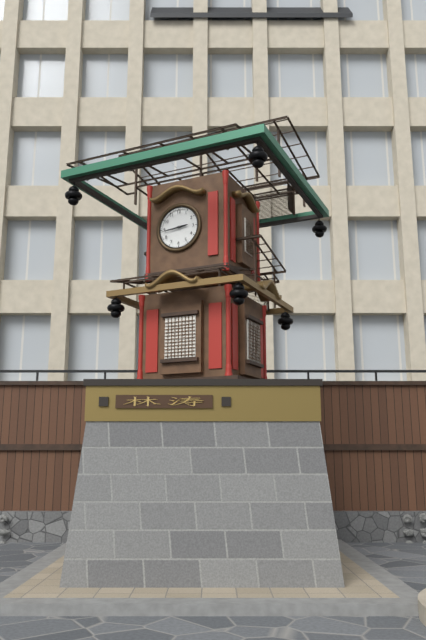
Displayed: **2:44**
